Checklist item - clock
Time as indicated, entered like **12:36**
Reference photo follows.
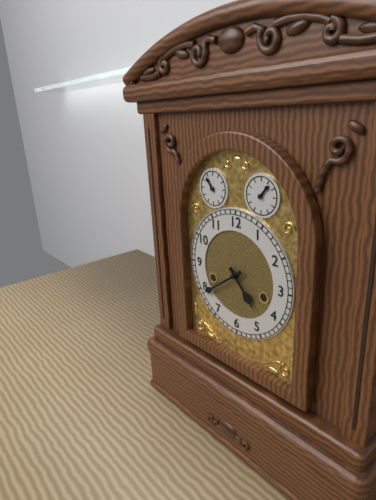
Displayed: **4:39**
